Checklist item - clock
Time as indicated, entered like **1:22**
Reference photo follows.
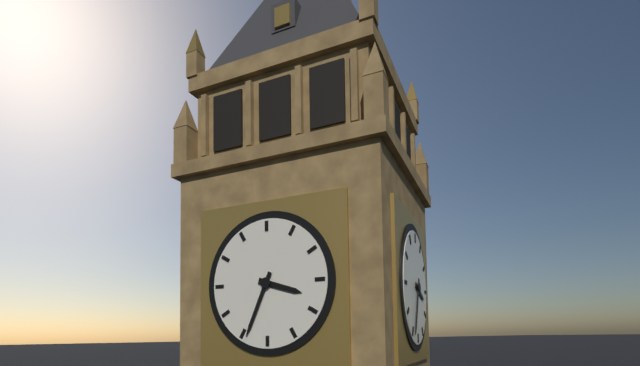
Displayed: **3:34**
